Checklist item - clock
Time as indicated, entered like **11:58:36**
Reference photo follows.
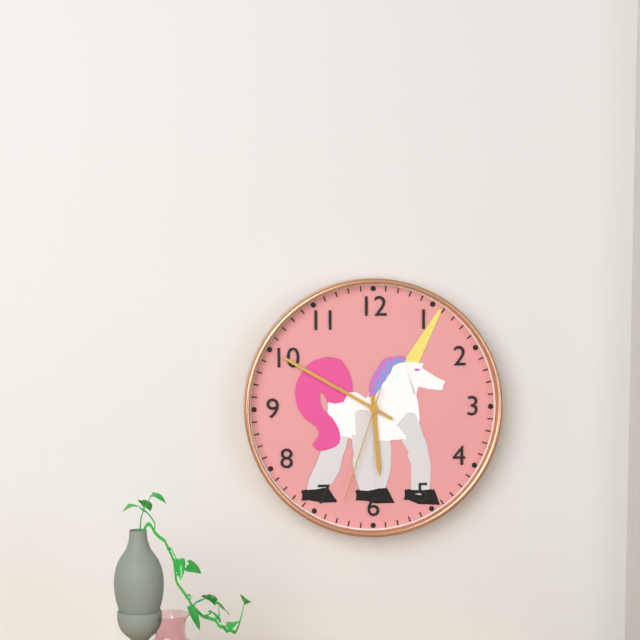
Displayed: **5:50:33**
